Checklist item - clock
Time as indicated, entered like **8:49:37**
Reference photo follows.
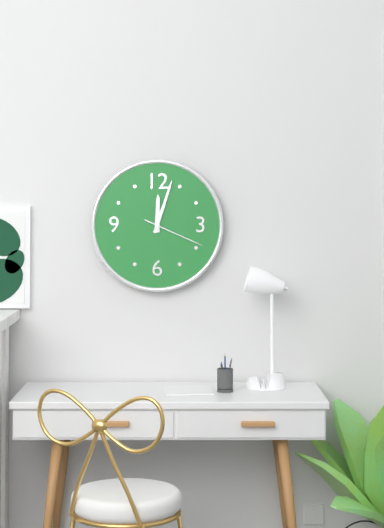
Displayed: **12:03:19**
